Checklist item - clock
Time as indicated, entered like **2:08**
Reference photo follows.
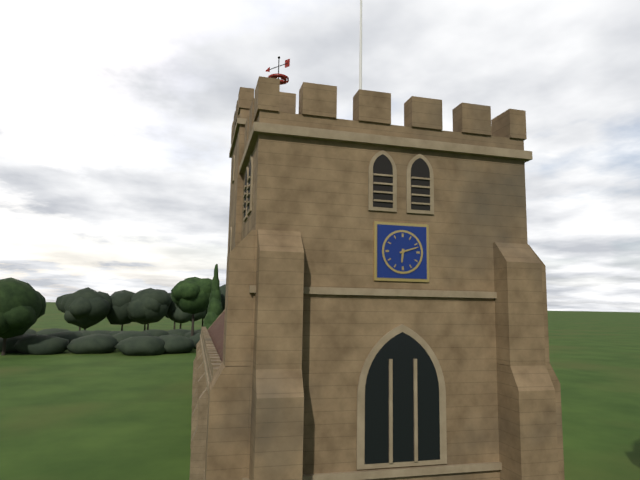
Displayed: **6:12**
